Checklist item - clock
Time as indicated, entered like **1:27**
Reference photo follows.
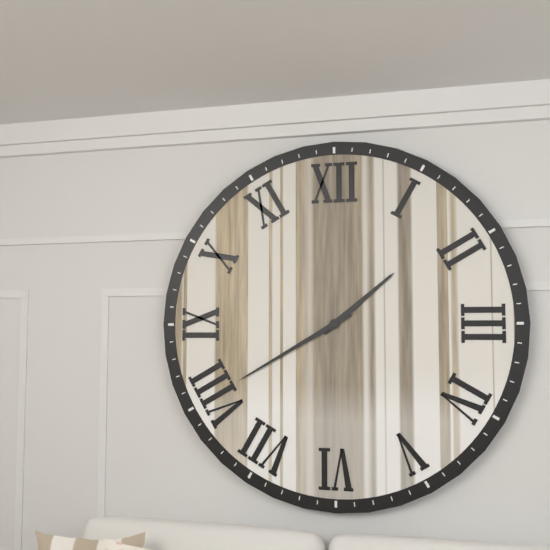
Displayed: **1:40**
